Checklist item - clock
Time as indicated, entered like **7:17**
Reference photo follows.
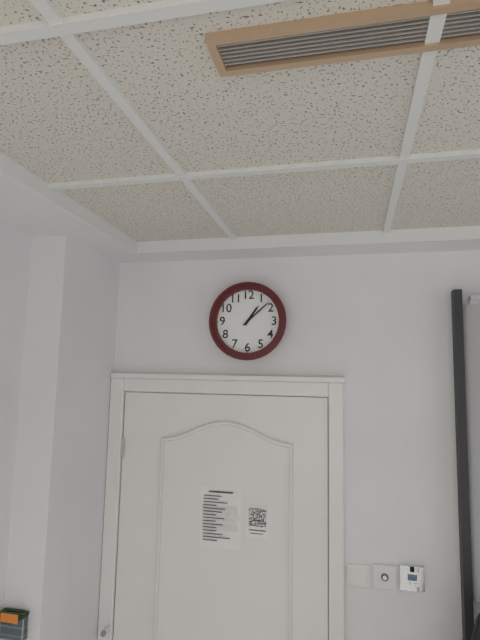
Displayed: **1:08**
